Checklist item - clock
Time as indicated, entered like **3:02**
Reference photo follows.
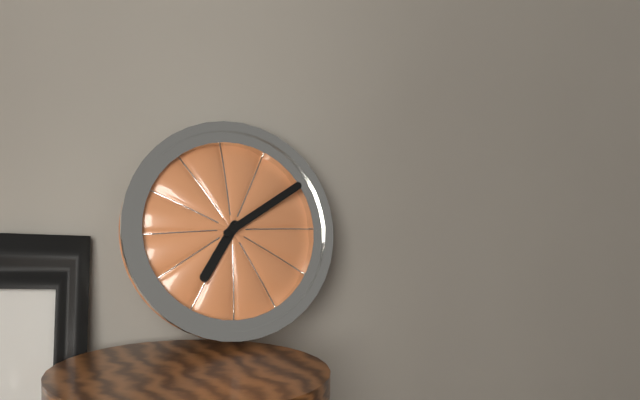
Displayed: **7:10**
